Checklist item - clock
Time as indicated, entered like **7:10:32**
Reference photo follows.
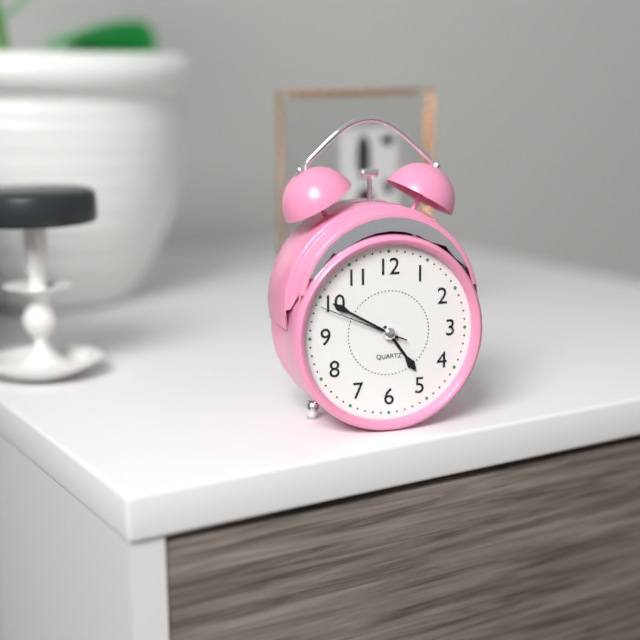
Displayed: **4:50:49**
